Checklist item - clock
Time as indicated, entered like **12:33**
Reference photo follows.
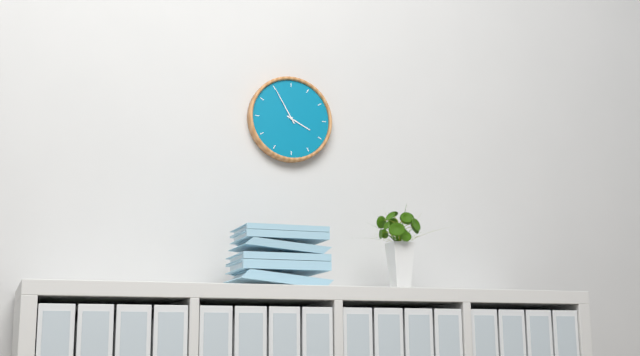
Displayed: **3:55**
